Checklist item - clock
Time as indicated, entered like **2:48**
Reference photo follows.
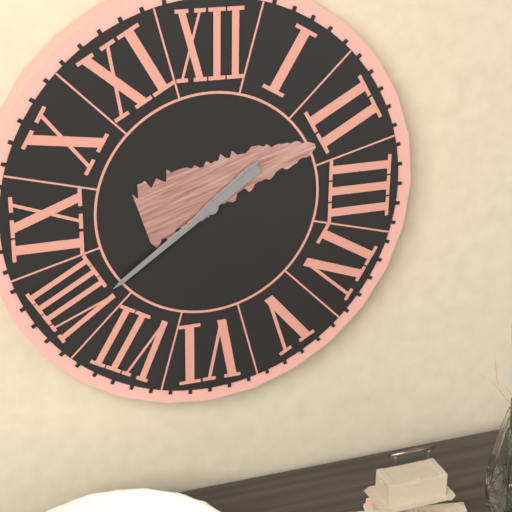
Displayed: **1:39**
